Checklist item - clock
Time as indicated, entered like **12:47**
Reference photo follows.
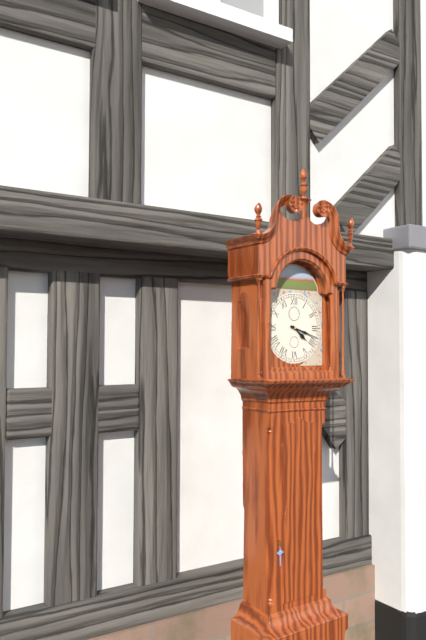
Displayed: **4:18**
